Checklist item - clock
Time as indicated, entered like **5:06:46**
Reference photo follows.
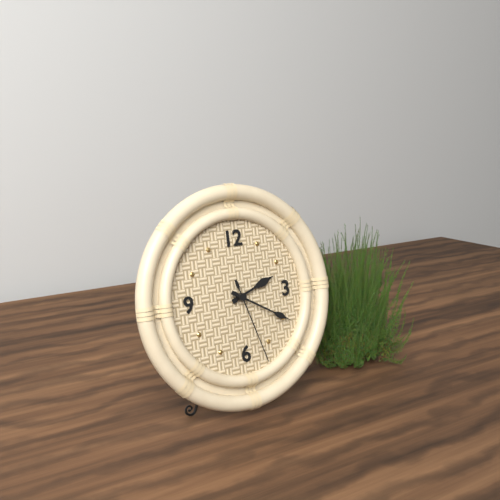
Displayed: **2:20:27**
